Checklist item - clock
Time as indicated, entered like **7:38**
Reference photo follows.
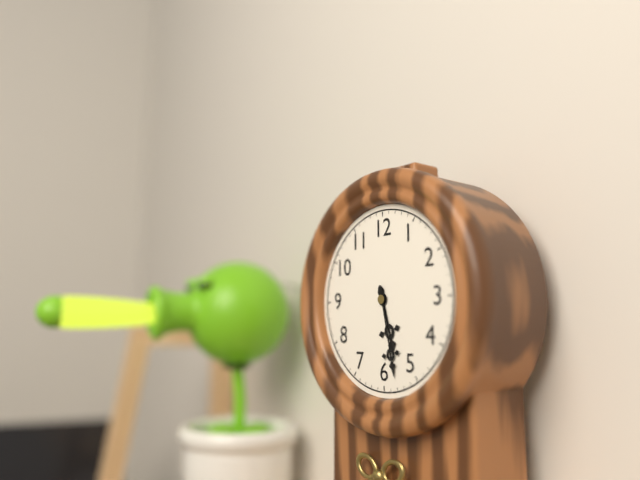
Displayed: **5:28**
